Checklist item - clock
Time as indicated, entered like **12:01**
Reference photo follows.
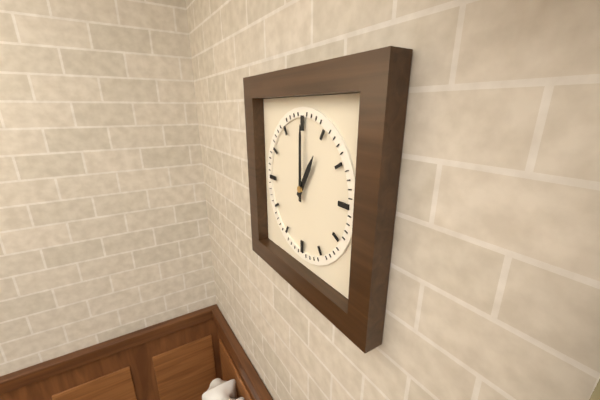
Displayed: **1:00**
